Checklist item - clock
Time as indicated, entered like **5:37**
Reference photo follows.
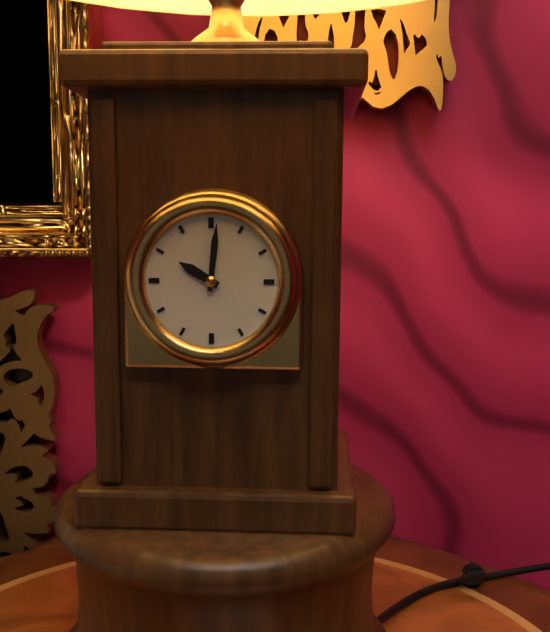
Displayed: **10:01**
